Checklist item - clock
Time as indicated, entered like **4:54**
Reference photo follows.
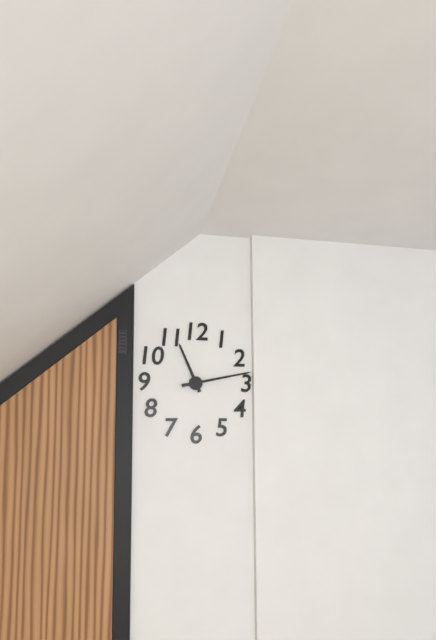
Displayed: **11:13**
